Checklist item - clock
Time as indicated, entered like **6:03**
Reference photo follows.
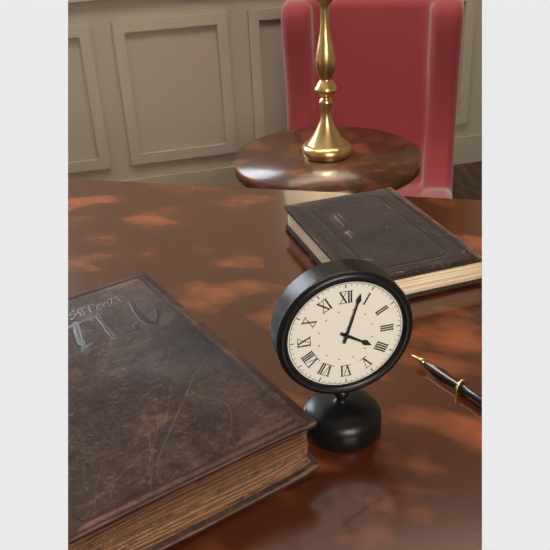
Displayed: **4:03**
